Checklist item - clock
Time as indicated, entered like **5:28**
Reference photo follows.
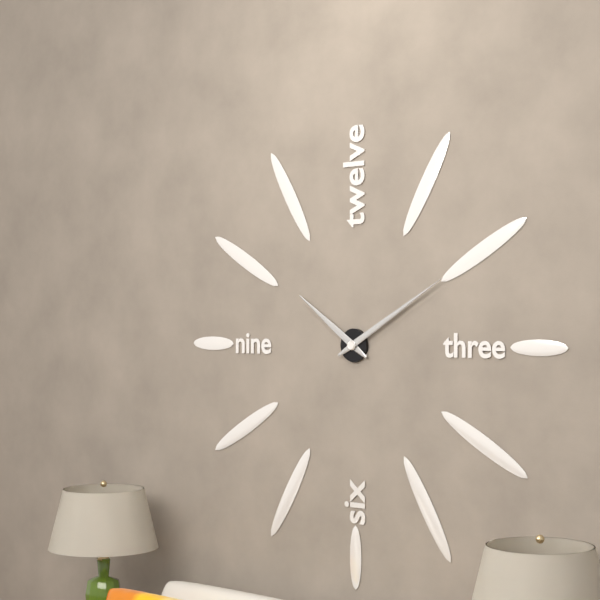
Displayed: **10:10**
